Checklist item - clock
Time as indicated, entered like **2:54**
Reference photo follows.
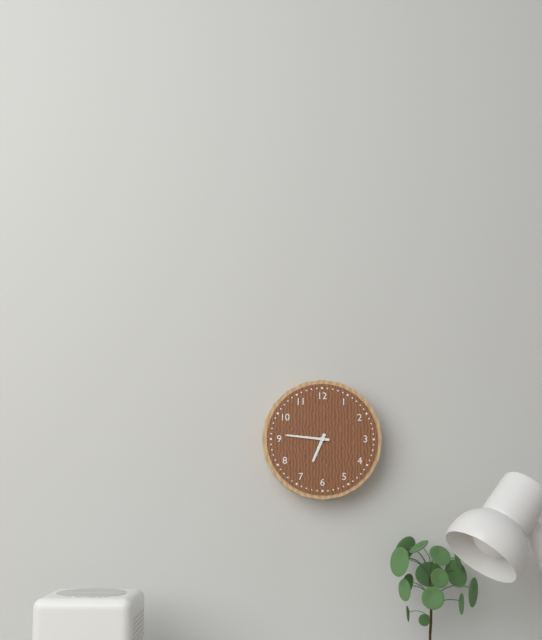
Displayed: **6:46**
